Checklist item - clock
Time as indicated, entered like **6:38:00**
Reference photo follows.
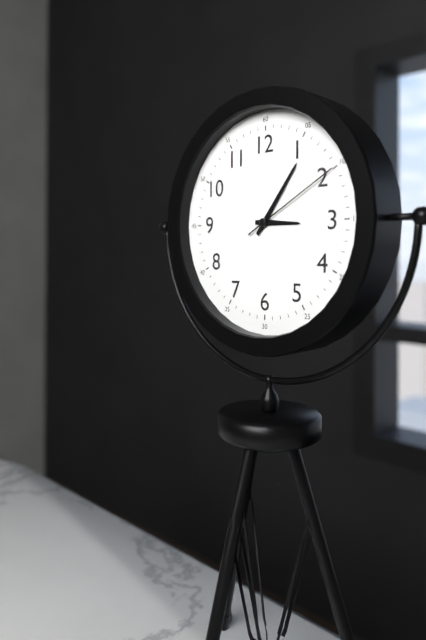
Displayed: **3:06:10**
